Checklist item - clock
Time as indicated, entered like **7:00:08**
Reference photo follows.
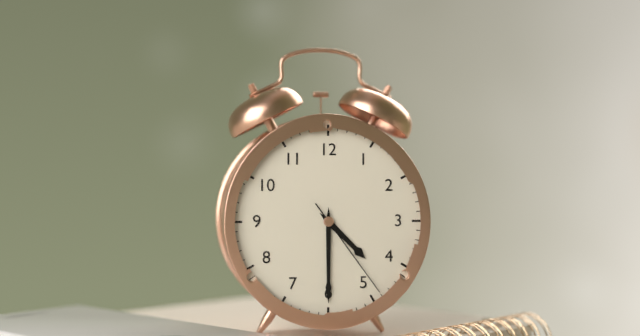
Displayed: **4:30:24**
